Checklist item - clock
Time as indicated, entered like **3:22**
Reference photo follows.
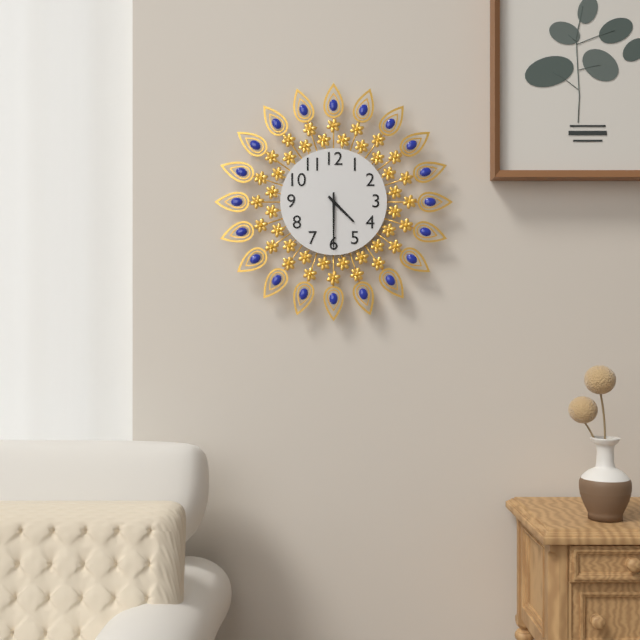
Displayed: **4:30**
